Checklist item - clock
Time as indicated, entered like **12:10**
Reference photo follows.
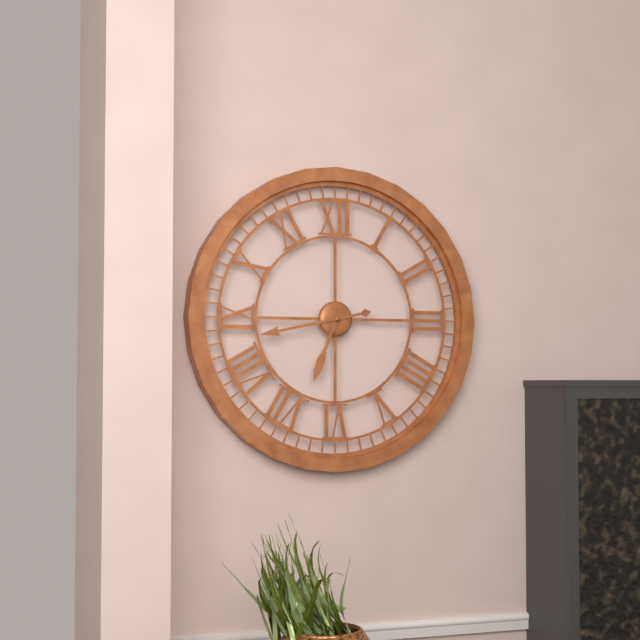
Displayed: **6:43**
